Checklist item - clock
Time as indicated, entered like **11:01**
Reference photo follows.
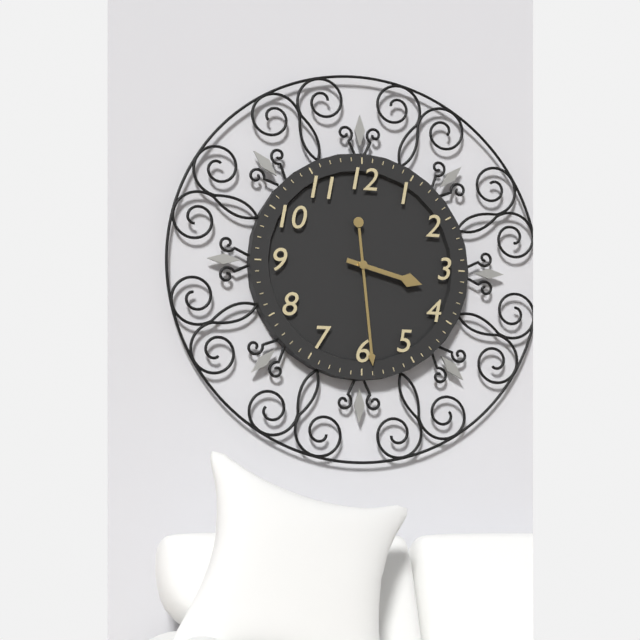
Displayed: **3:29**
